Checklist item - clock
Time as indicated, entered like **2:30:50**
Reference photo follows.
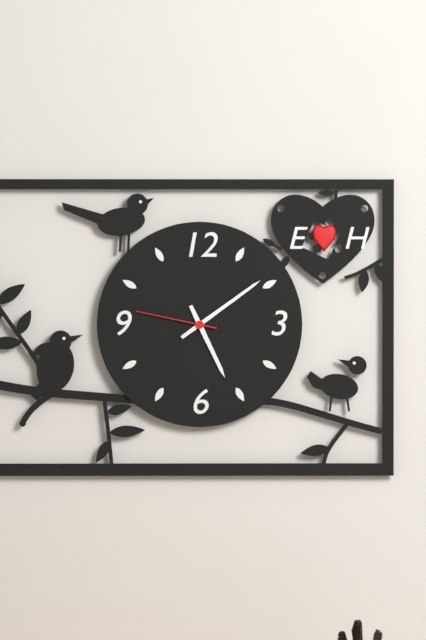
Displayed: **5:09:47**
